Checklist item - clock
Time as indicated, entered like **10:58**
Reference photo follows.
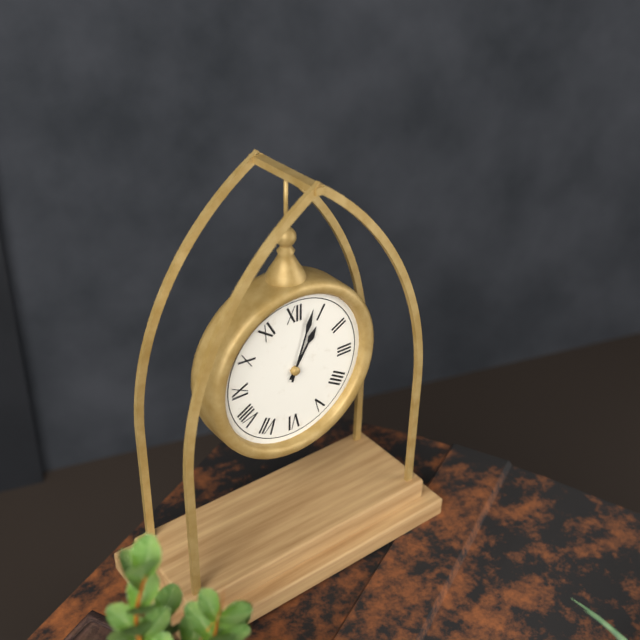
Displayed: **1:03**
